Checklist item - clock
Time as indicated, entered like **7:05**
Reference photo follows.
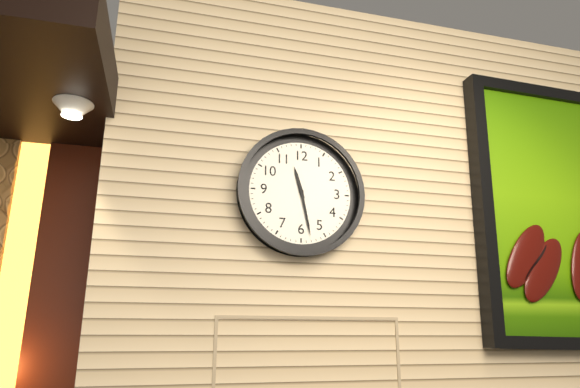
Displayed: **11:28**
